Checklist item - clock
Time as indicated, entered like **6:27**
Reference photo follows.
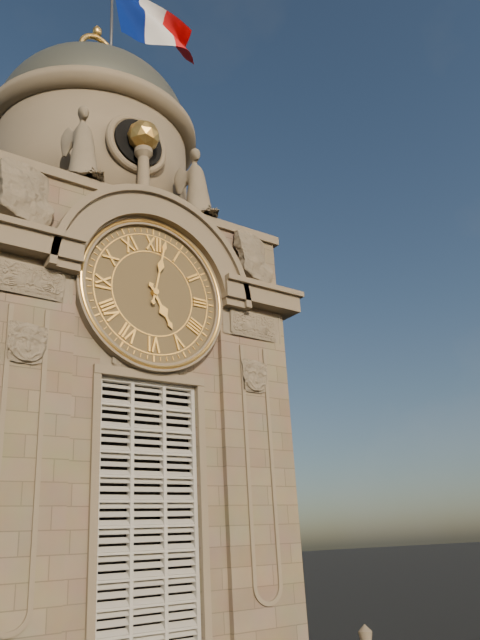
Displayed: **5:02**
